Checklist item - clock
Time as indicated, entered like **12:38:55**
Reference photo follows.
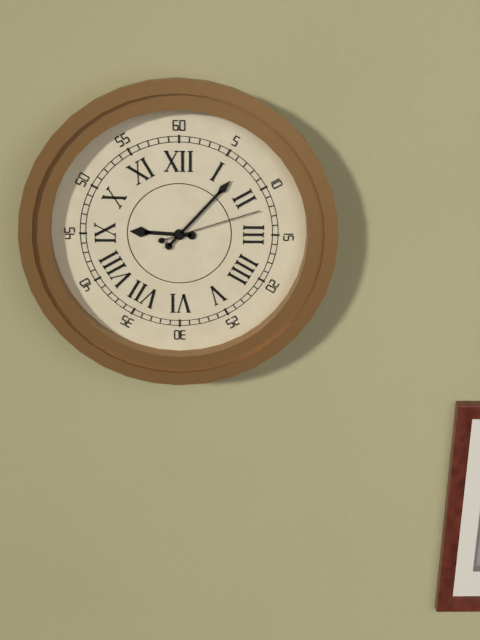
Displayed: **9:07:12**
